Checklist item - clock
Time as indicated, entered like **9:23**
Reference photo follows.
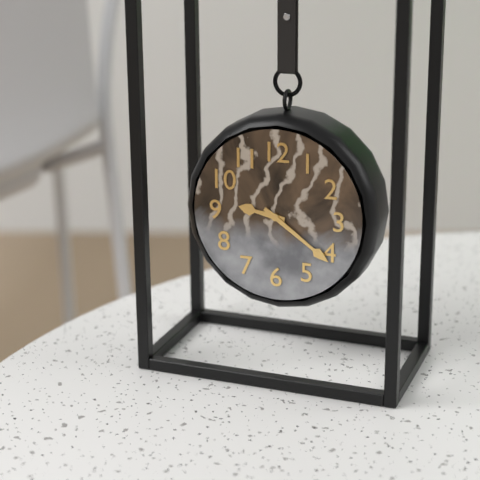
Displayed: **9:21**
